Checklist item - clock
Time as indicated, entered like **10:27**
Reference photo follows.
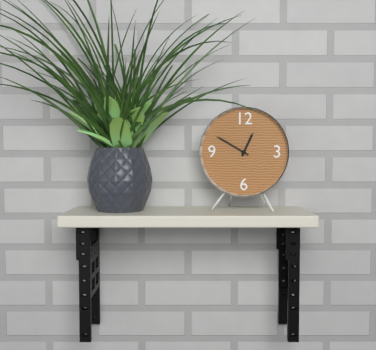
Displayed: **12:50**
